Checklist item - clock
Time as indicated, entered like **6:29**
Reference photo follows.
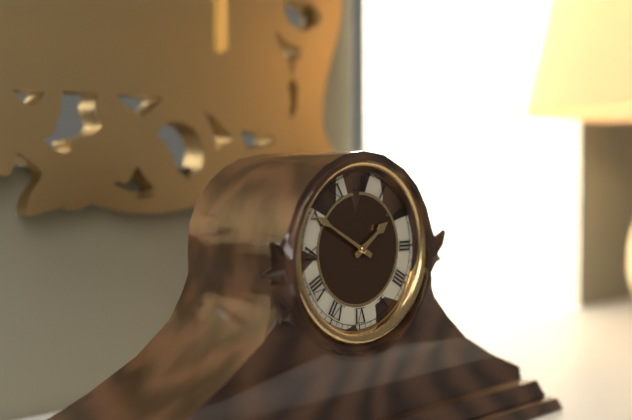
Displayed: **1:50**
